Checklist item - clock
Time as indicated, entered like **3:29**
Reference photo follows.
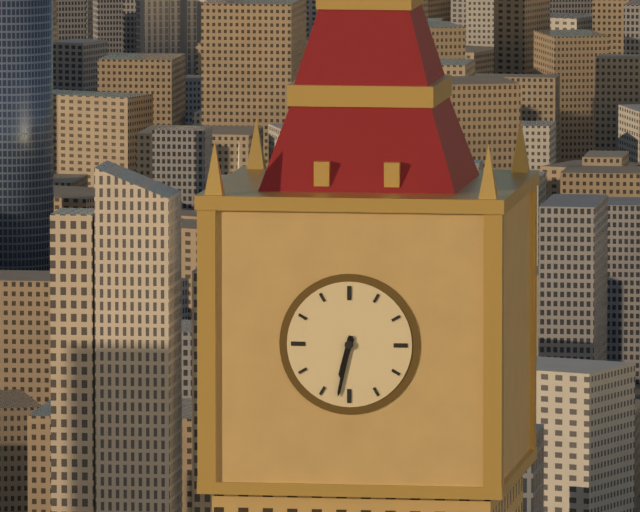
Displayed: **6:32**
